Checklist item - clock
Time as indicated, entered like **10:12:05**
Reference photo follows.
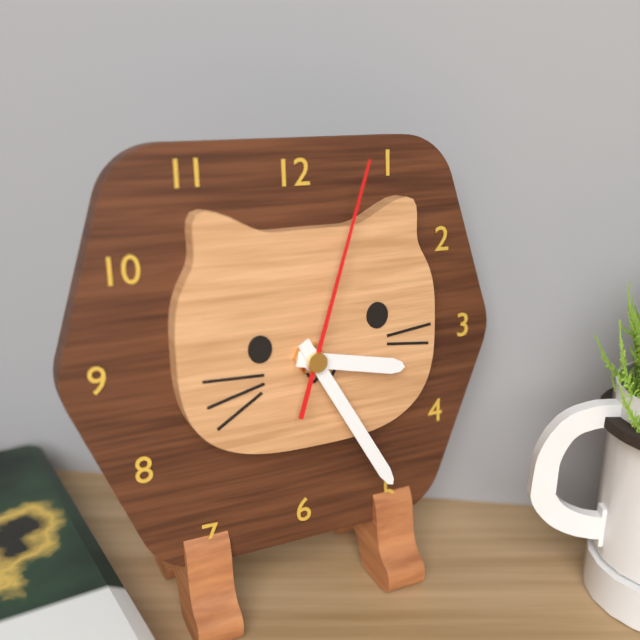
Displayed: **3:25:03**
